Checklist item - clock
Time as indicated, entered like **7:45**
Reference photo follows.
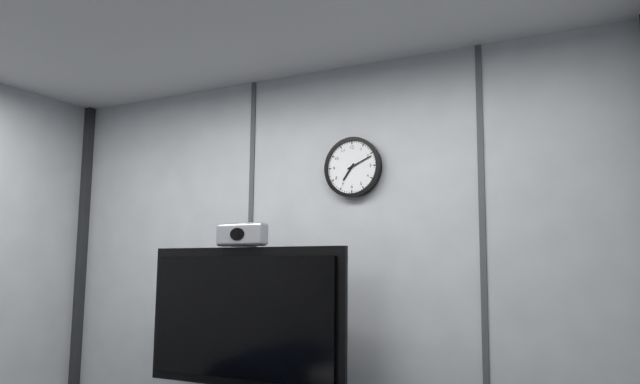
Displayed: **7:11**
